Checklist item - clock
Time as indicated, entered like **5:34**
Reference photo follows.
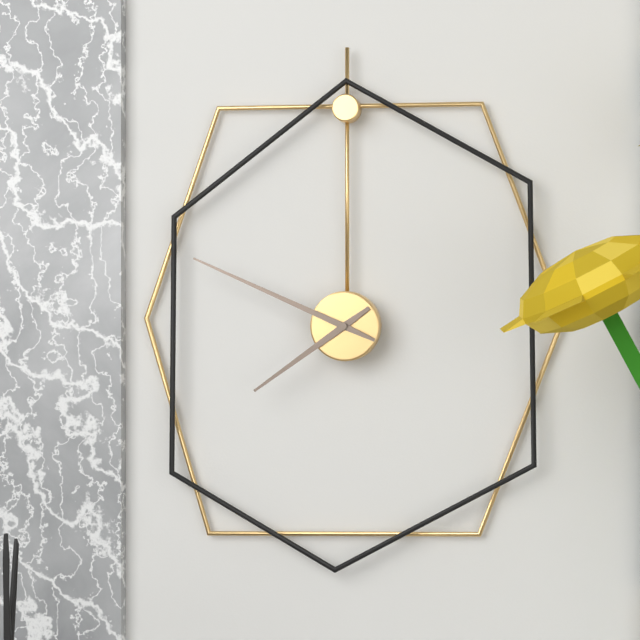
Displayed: **7:49**
